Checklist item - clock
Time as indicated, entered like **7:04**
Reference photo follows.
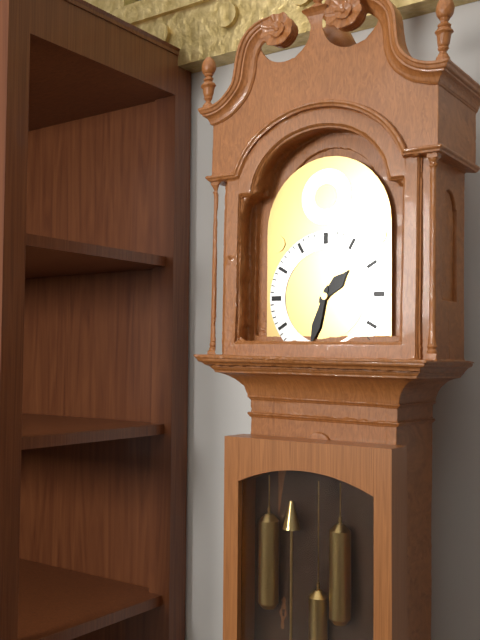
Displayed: **1:33**
